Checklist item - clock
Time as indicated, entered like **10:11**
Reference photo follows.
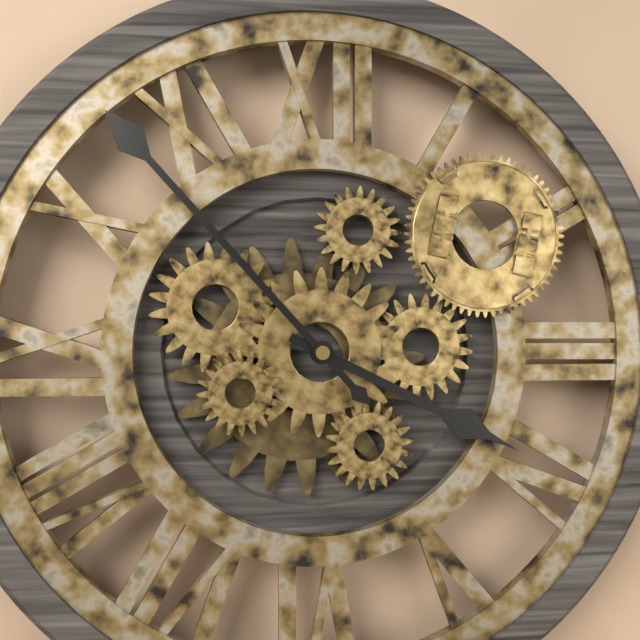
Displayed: **3:53**
